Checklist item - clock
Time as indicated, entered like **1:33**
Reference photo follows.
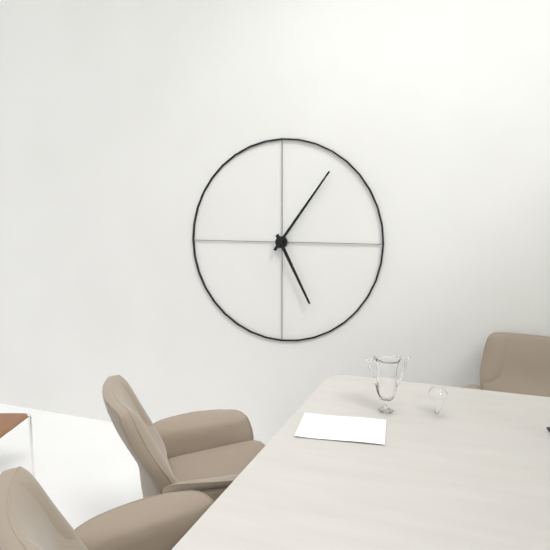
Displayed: **5:06**
